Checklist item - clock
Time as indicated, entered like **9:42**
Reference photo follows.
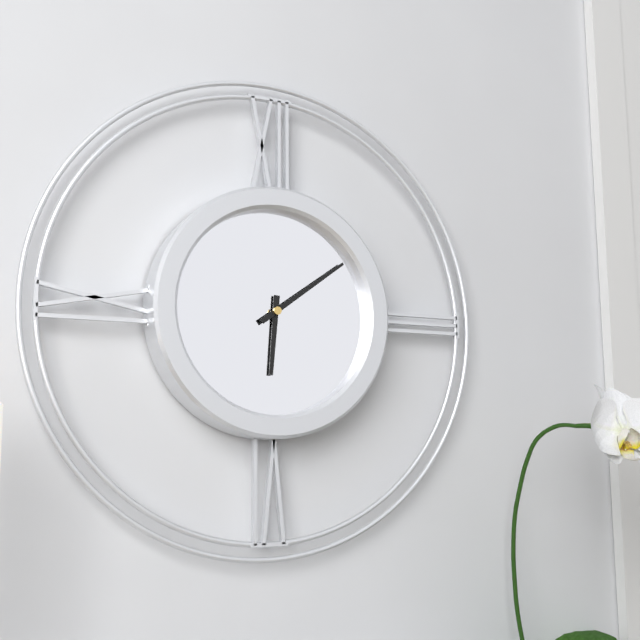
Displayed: **6:09**
